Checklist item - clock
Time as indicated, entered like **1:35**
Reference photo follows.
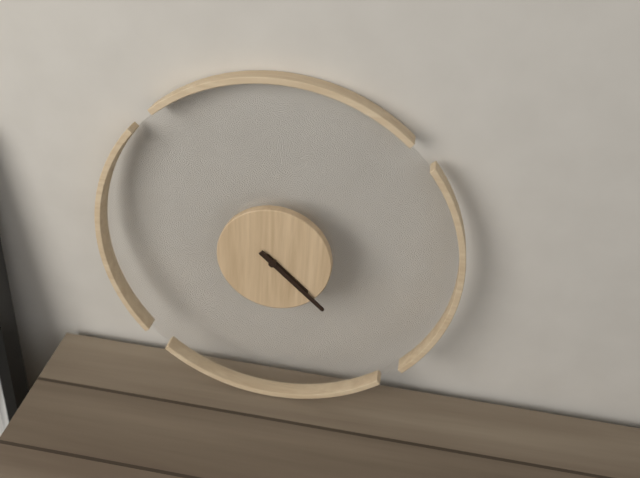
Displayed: **4:22**
